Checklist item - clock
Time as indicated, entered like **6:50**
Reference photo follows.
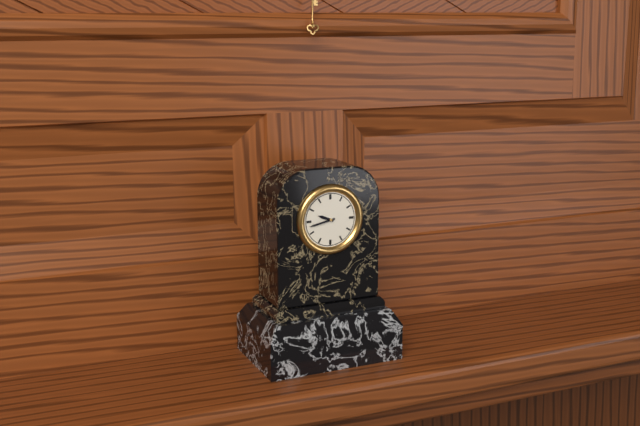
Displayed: **9:43**
